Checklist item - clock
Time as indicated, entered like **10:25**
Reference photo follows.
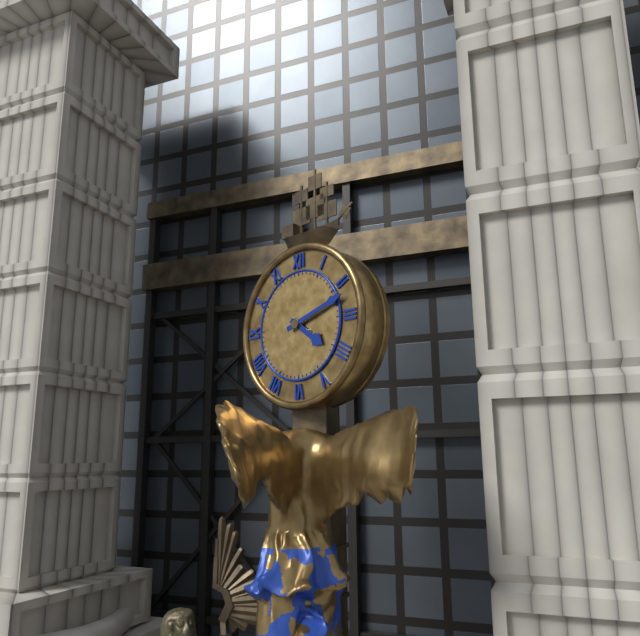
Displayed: **4:12**
